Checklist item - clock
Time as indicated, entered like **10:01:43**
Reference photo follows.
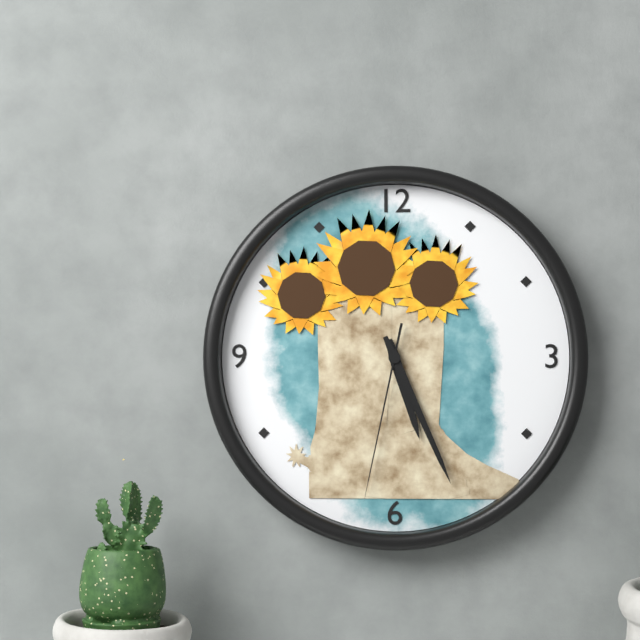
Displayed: **5:26:32**
